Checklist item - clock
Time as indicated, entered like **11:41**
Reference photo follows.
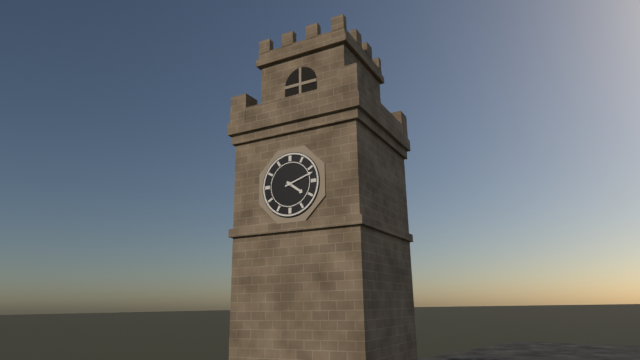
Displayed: **4:12**
